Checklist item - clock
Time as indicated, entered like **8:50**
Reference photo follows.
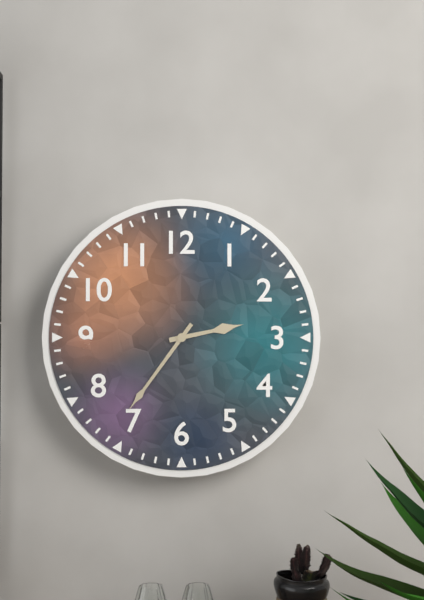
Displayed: **2:36**
